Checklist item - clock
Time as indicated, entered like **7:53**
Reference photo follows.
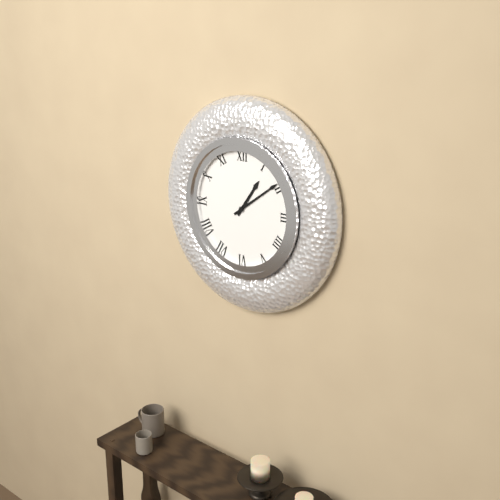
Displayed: **1:09**
